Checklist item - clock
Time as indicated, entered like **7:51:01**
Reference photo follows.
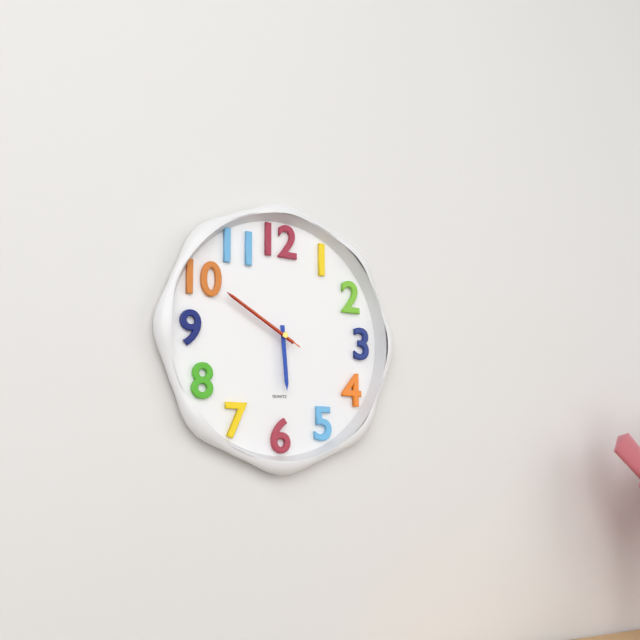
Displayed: **5:50:50**
